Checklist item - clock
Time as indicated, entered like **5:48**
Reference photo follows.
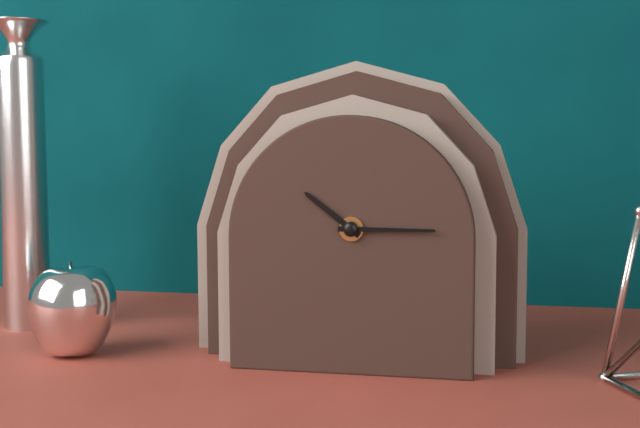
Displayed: **10:15**
